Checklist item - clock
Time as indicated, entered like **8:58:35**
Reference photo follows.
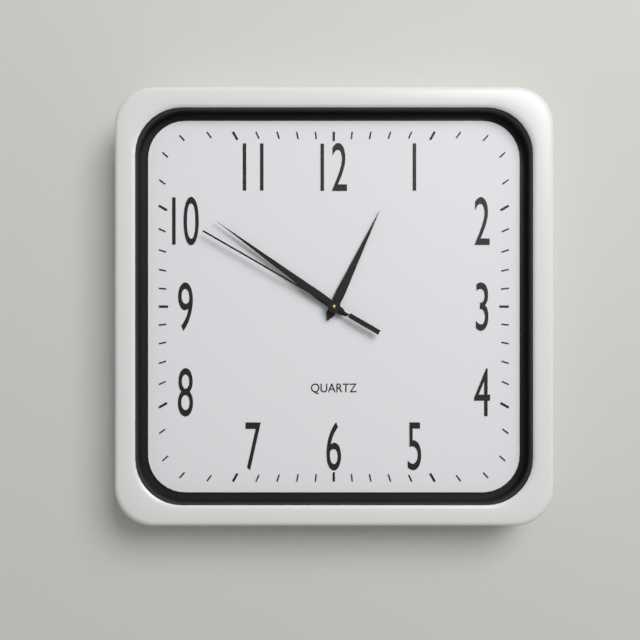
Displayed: **12:51:50**
